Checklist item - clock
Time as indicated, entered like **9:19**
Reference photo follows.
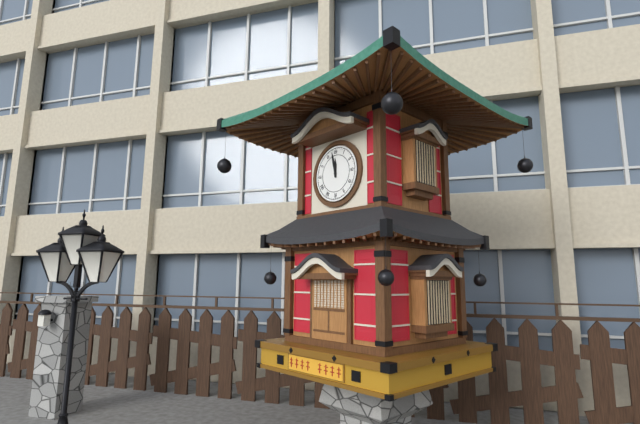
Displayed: **11:58**
